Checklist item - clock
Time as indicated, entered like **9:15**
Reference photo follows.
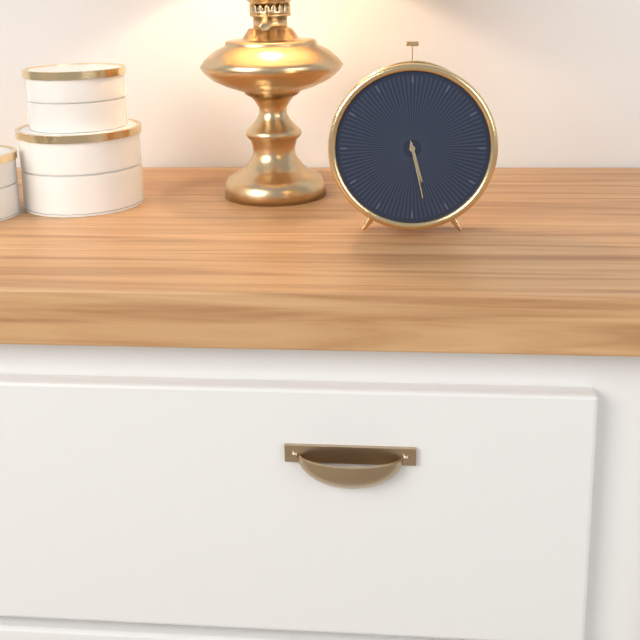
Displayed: **5:28**
